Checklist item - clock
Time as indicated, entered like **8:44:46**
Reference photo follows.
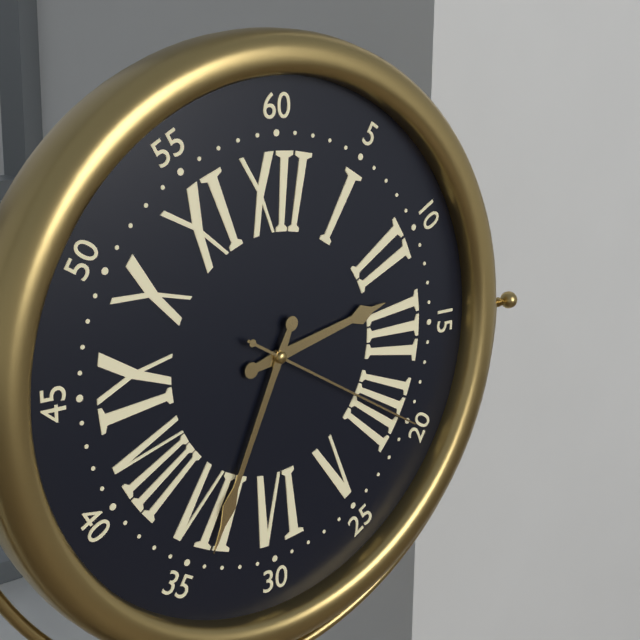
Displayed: **2:34:20**
